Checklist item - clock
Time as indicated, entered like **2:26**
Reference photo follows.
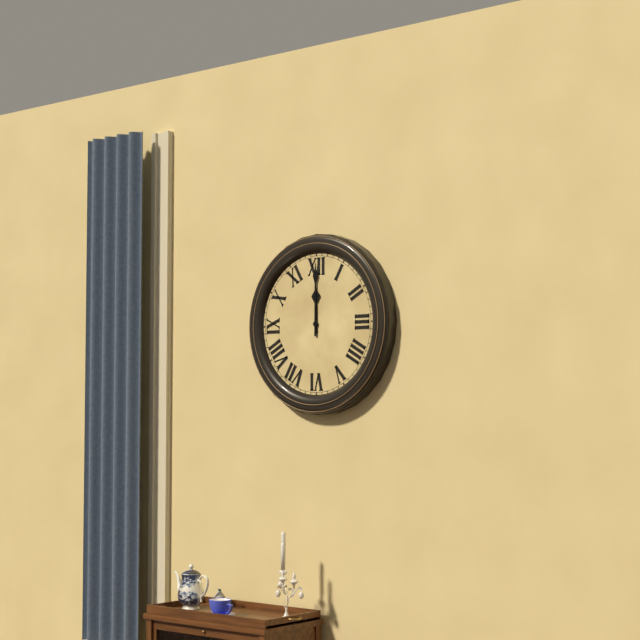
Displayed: **12:00**
